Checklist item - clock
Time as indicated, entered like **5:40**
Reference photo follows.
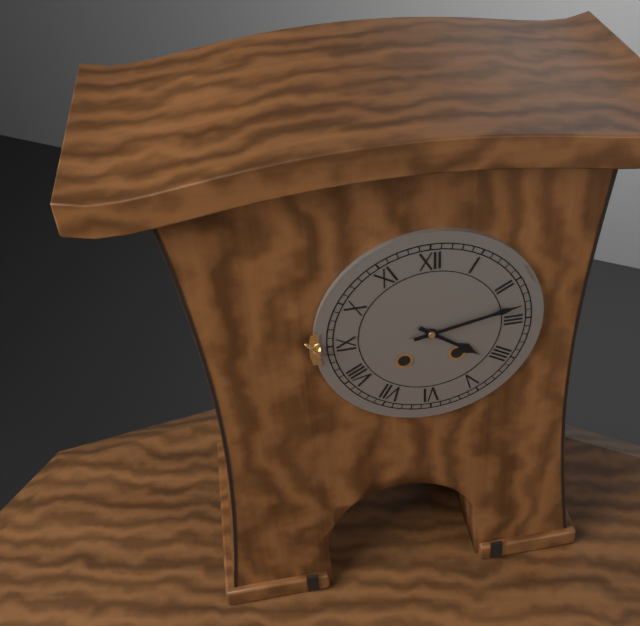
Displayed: **4:13**
